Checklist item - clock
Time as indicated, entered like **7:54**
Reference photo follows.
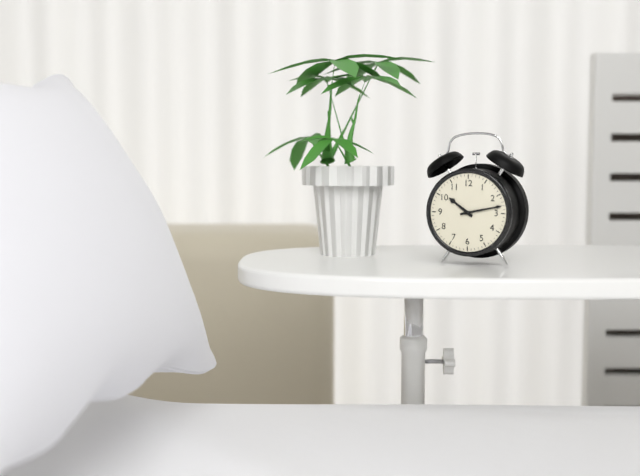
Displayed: **10:13**
